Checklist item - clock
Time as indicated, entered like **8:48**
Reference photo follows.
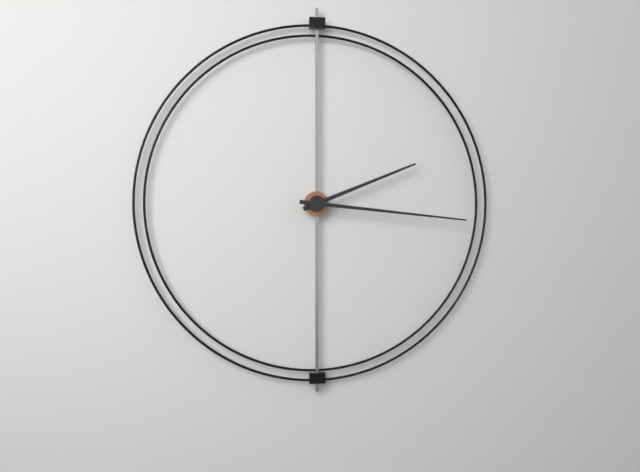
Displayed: **2:16**
